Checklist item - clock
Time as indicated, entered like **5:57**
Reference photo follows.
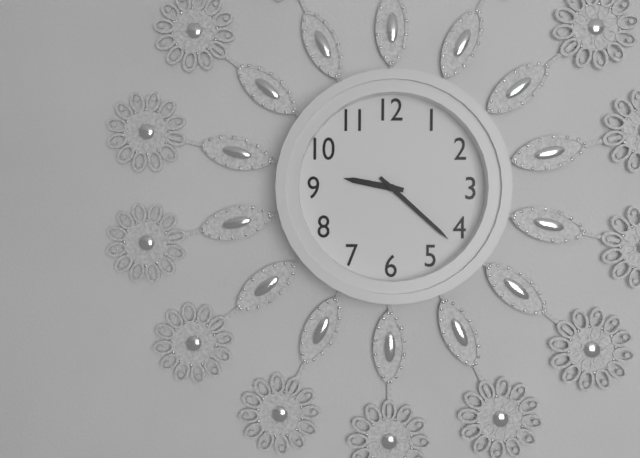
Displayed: **9:22**
